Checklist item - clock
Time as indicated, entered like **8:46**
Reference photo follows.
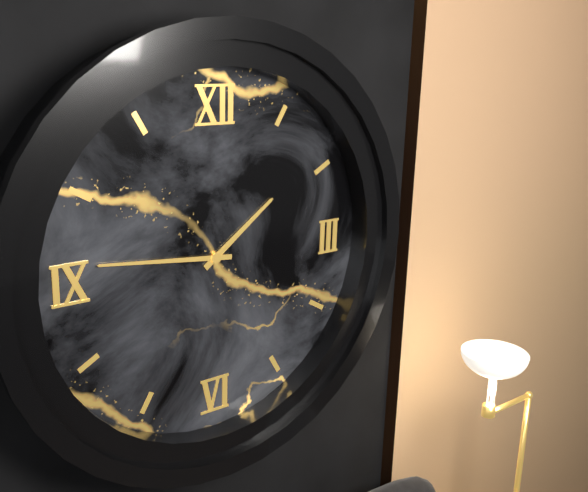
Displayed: **1:46**
